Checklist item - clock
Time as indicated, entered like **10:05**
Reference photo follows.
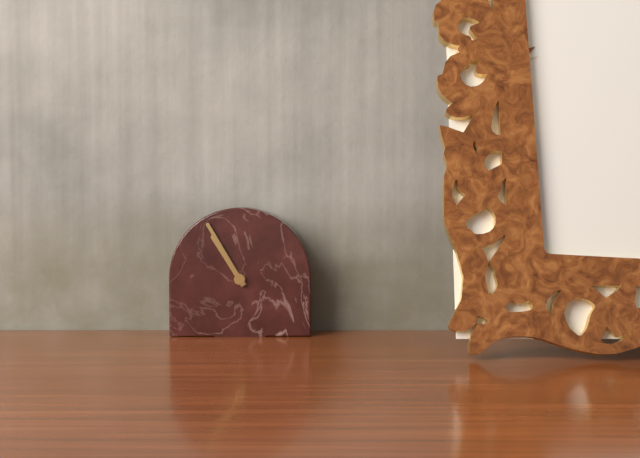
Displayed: **10:55**
